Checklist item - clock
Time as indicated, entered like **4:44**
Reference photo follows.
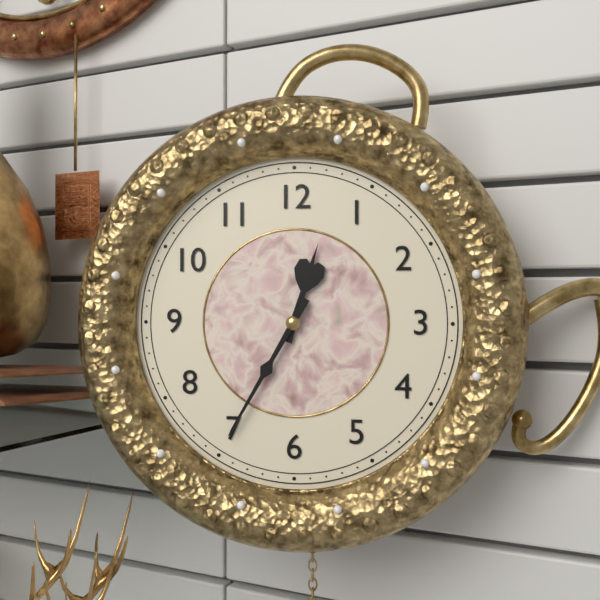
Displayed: **12:35**
